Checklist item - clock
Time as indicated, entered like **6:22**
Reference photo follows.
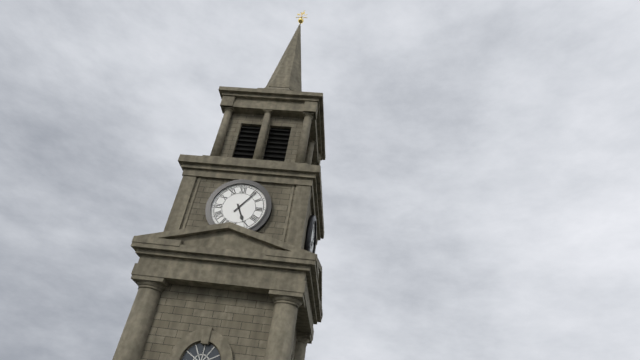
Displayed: **5:06**
